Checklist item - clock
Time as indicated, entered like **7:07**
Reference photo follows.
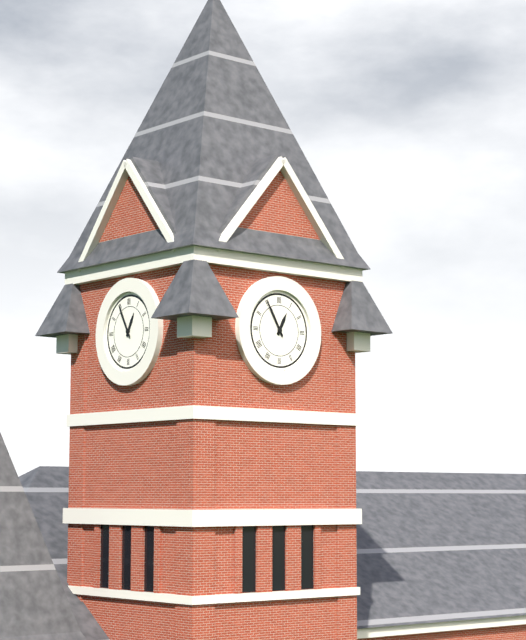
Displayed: **12:55**
